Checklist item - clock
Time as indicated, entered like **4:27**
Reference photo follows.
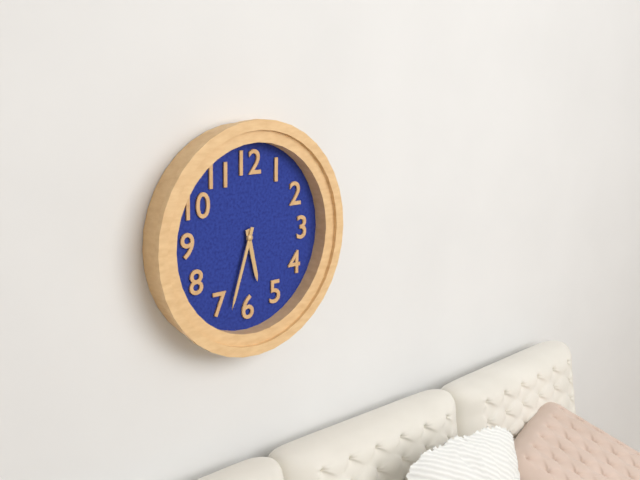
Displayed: **5:33**
